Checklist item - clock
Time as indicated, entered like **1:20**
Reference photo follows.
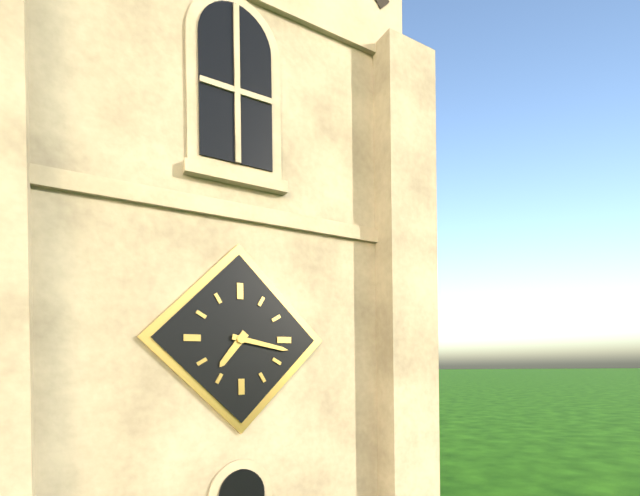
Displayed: **7:17**
